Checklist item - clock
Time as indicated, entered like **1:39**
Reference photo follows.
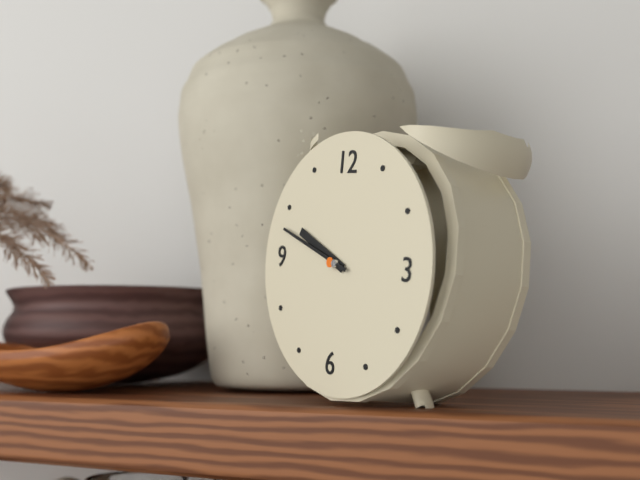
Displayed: **9:48**
